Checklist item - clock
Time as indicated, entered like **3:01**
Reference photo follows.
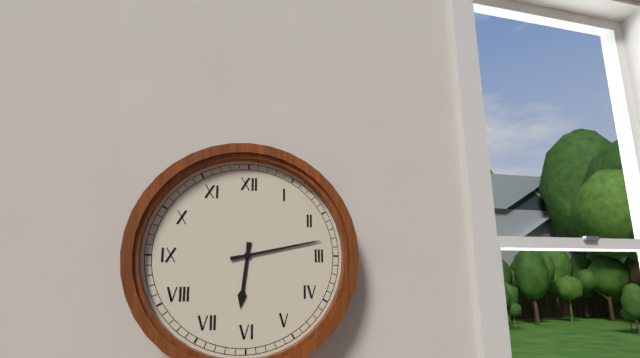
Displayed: **6:13**
